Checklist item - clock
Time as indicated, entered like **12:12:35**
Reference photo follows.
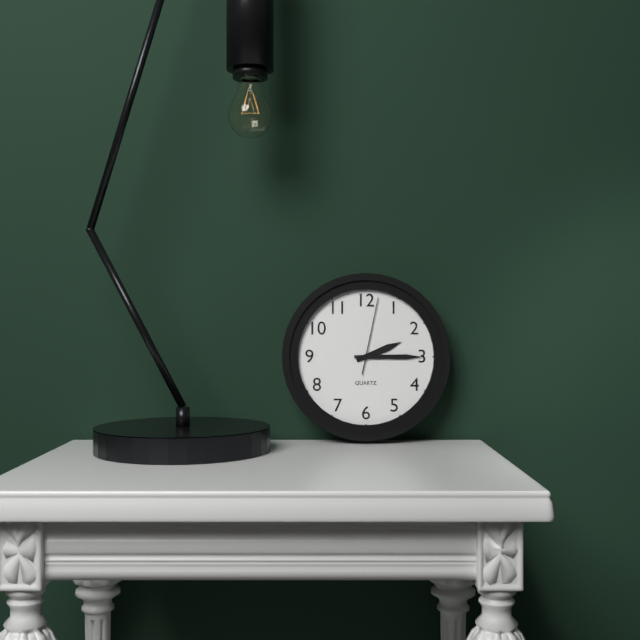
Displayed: **2:15:02**
